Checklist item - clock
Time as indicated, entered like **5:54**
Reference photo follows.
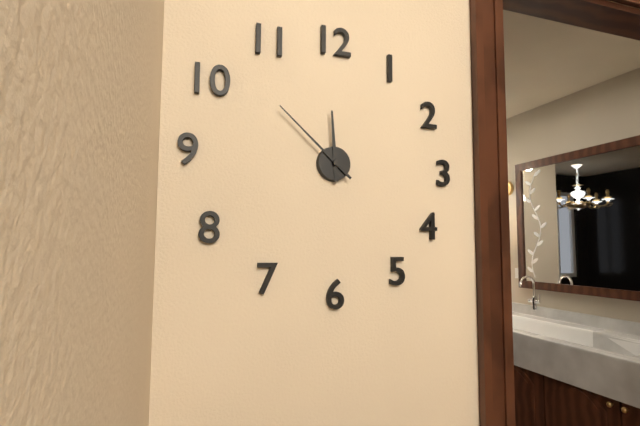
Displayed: **11:52**
